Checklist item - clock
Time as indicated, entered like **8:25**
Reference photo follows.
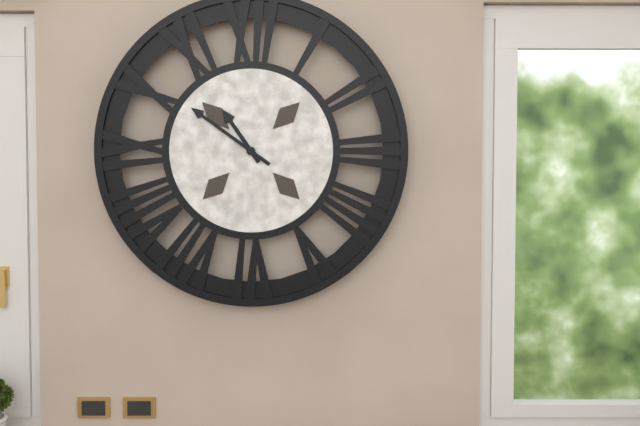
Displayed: **10:51**
